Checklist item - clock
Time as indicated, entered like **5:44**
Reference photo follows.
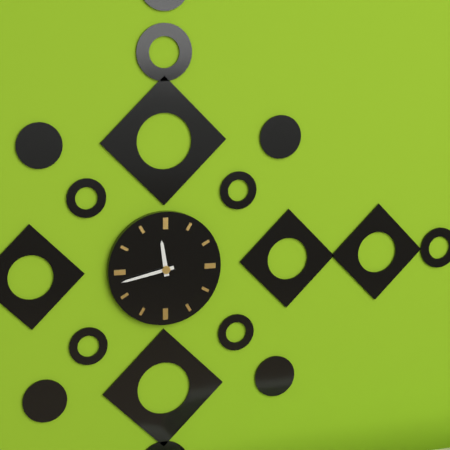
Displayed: **11:43**
